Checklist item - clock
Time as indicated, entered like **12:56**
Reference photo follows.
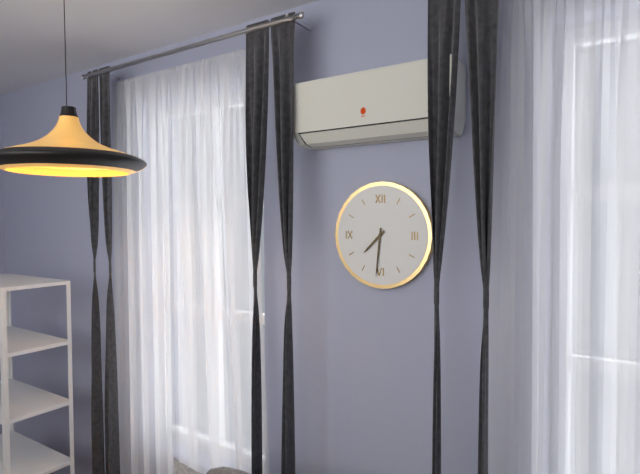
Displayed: **7:31**
